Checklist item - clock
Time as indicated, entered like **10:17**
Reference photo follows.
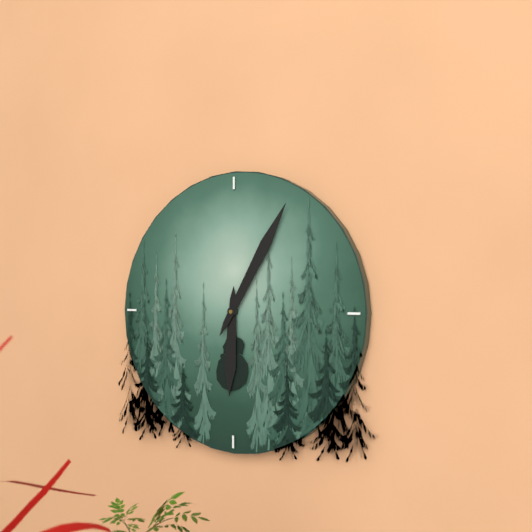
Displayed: **6:05**
